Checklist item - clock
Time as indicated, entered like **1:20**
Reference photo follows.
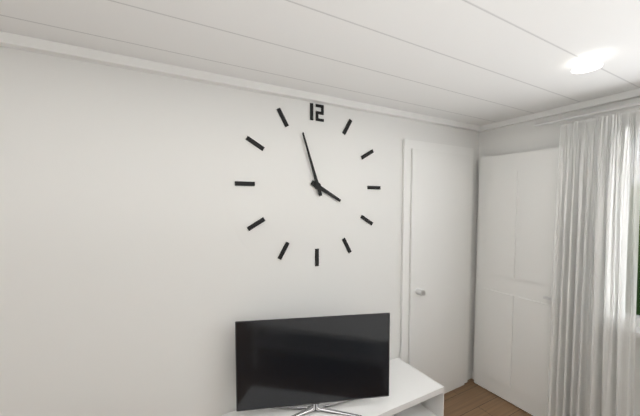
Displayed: **3:57**
